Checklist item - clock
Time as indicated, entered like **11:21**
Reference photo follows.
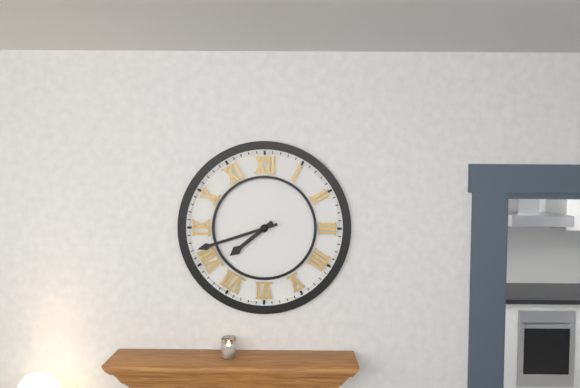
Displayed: **7:42**
